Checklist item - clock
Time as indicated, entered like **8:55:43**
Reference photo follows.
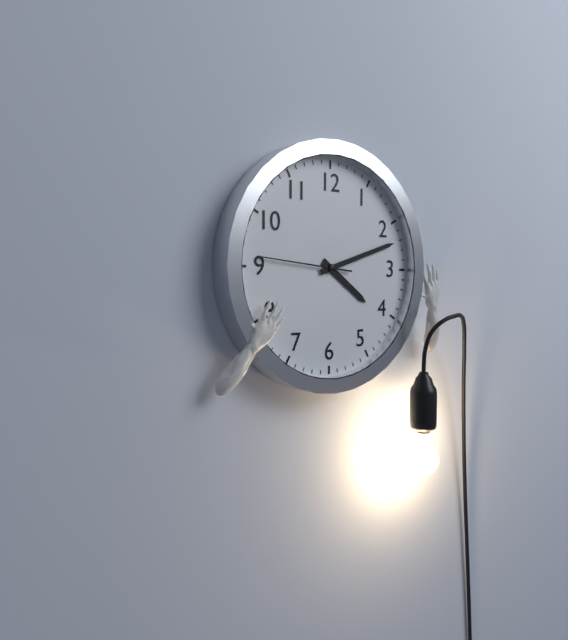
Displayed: **4:12:46**
